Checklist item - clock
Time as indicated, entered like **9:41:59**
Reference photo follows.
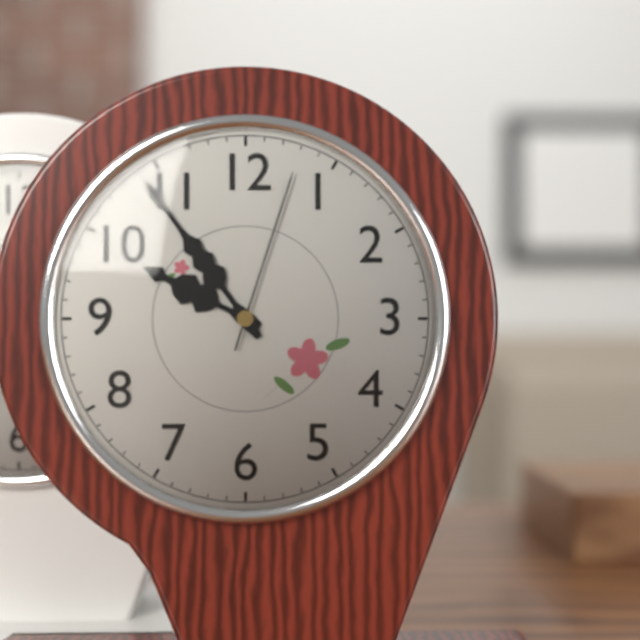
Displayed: **9:54:03**
